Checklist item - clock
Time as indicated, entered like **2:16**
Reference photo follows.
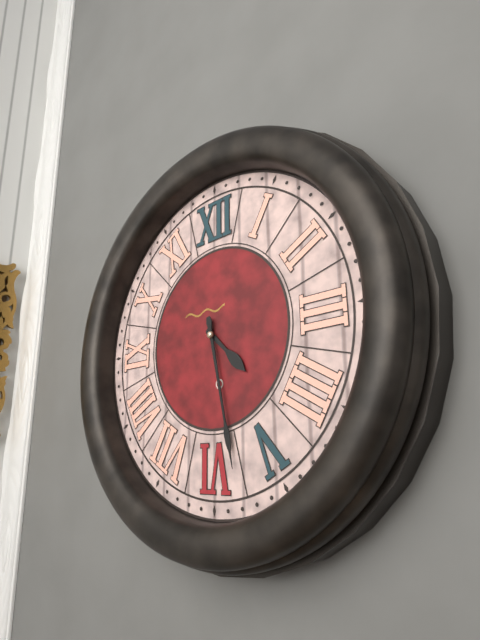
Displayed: **4:28**
